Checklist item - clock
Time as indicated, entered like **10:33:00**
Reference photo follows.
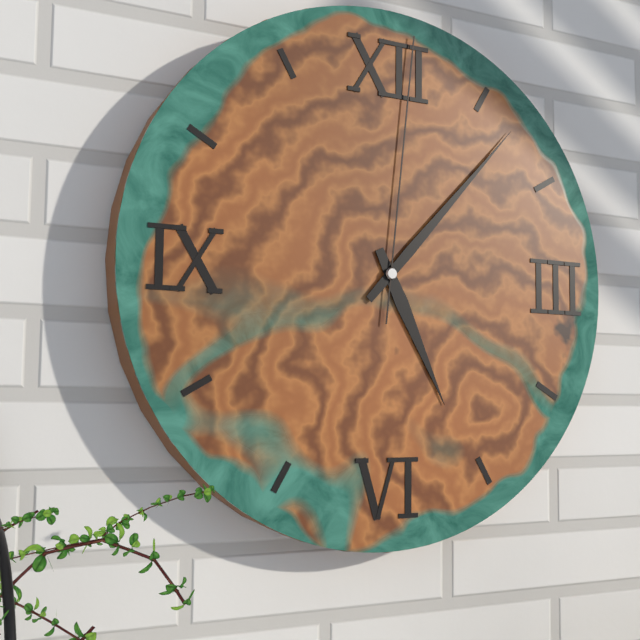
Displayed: **5:07:01**
